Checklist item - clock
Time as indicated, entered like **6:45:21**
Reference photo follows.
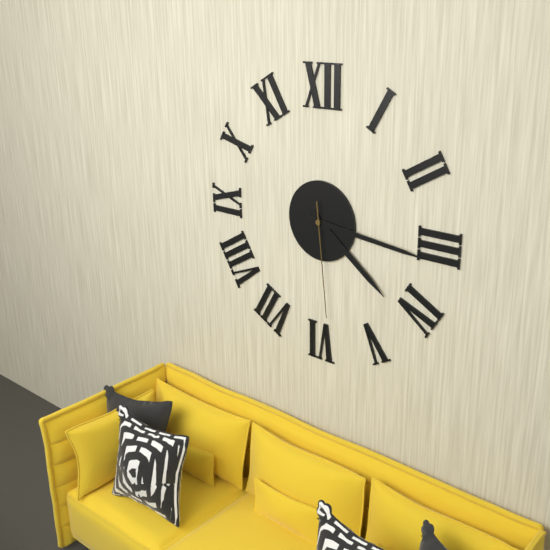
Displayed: **4:16:29**
